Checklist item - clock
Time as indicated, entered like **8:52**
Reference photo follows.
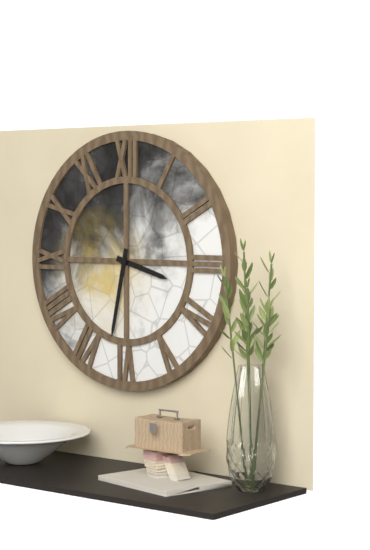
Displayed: **3:32**
